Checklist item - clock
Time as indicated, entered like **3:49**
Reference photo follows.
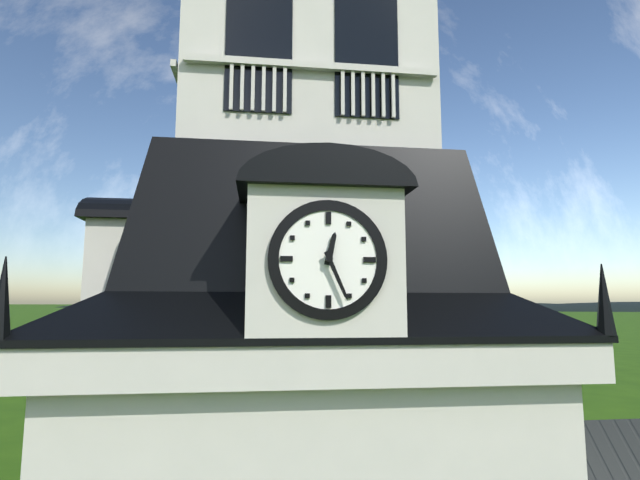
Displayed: **12:26**
